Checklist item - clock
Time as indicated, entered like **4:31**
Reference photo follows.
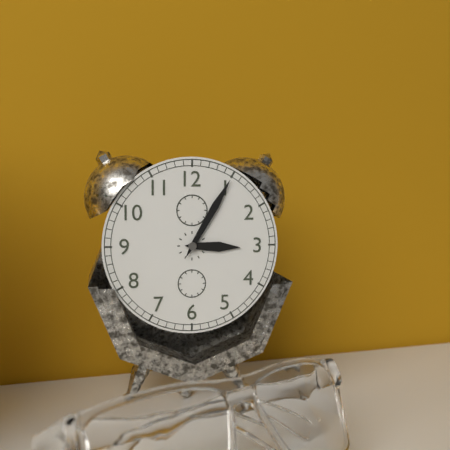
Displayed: **3:05**
